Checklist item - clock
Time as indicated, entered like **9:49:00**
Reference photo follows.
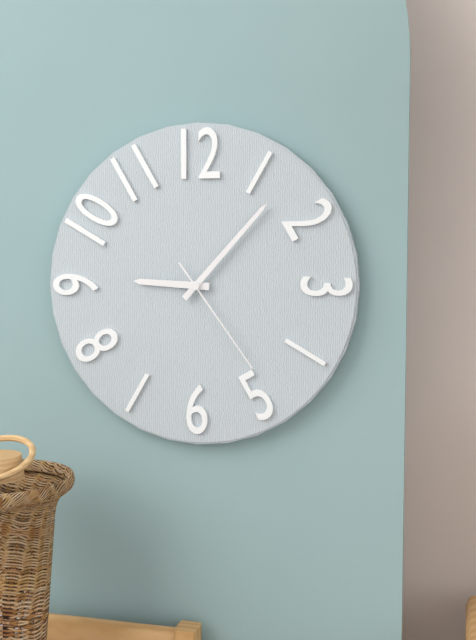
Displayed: **9:07:24**
